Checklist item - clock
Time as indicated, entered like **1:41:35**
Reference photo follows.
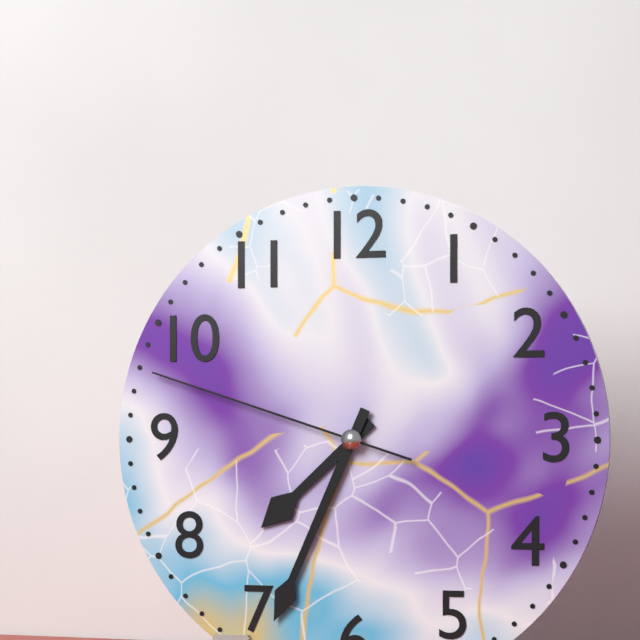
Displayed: **7:34:48**
